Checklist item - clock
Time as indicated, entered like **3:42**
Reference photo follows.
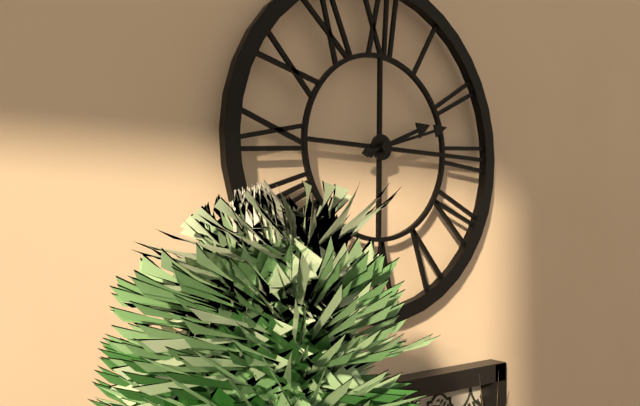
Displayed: **2:12**
